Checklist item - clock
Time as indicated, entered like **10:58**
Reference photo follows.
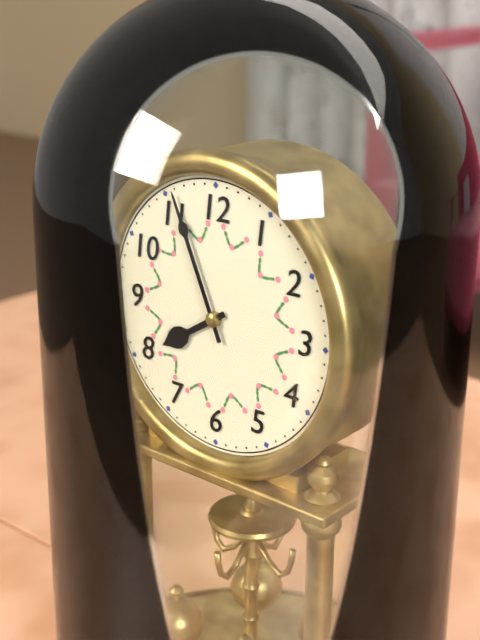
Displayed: **7:56**
